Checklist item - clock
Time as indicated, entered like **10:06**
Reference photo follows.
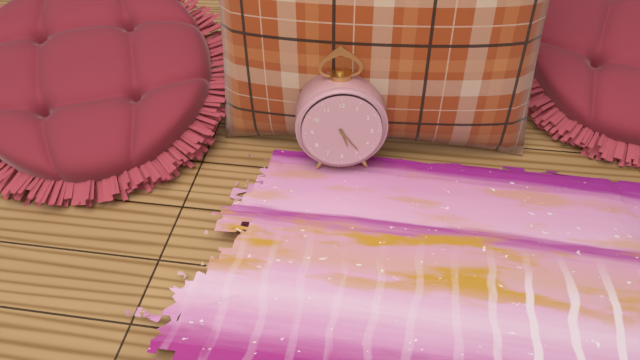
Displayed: **5:24**
